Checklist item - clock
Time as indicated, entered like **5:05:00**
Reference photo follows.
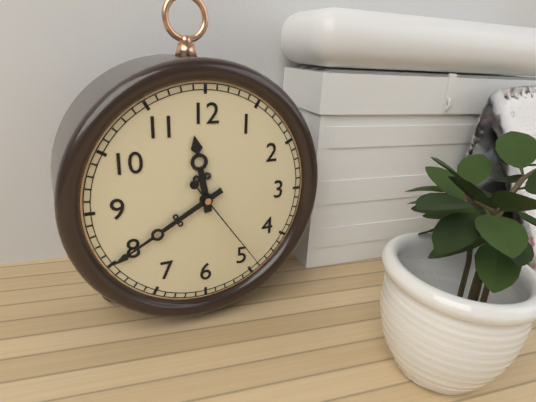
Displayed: **11:40:24**
